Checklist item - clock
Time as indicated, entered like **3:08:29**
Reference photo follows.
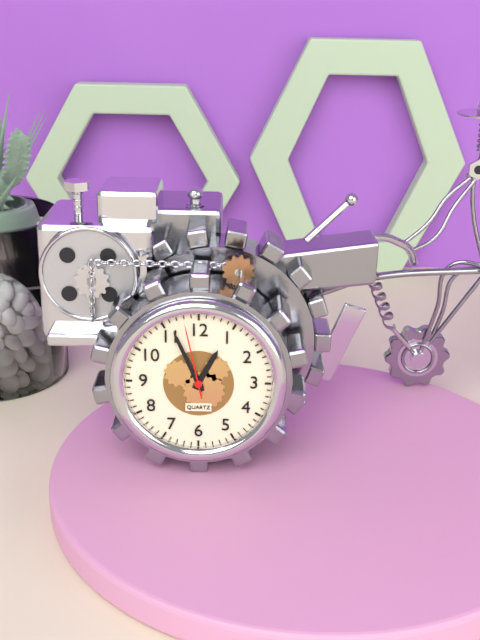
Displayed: **12:56:58**
